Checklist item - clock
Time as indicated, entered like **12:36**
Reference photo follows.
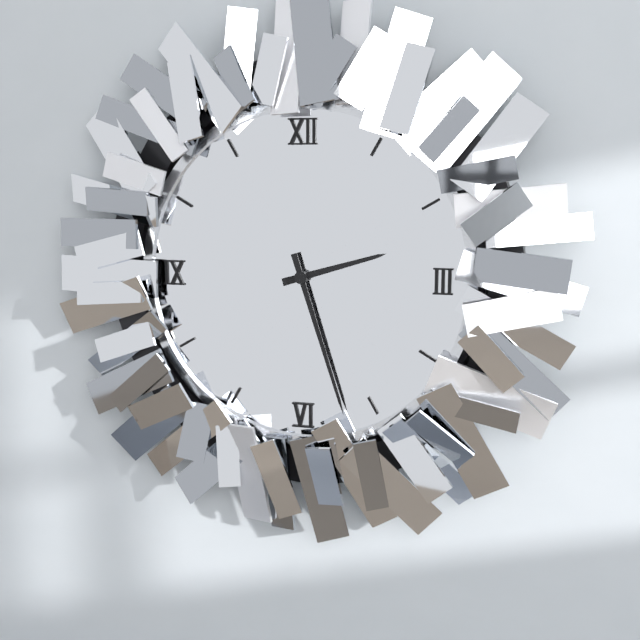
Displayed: **2:27**
